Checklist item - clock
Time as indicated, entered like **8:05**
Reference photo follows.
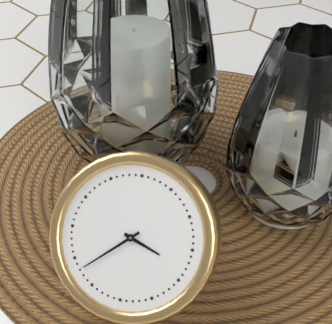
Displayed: **3:38**
